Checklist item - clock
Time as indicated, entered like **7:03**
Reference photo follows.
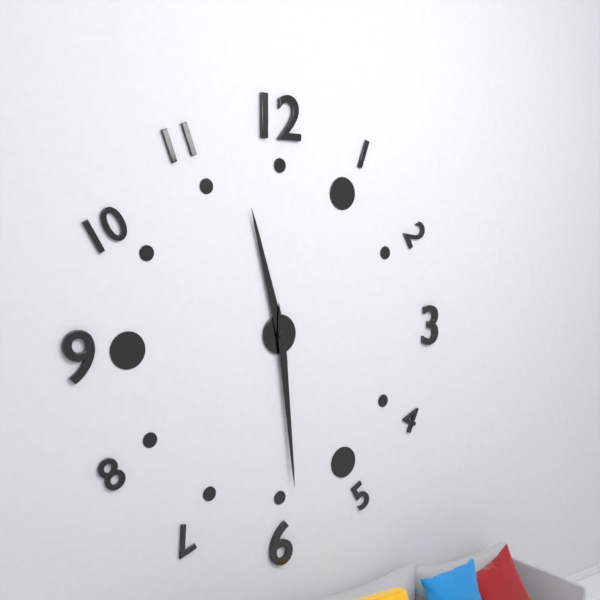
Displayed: **11:29**
